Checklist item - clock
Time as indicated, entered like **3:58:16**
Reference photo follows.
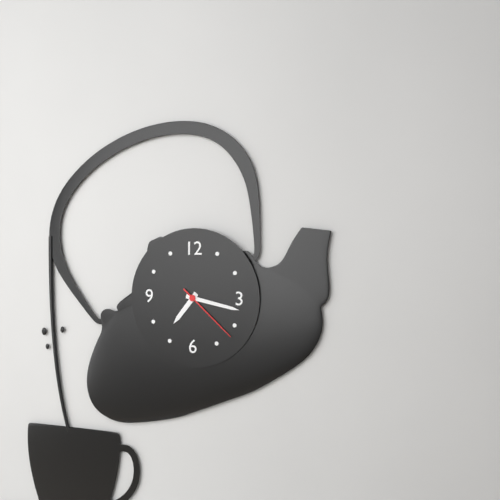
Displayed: **7:17:22**
